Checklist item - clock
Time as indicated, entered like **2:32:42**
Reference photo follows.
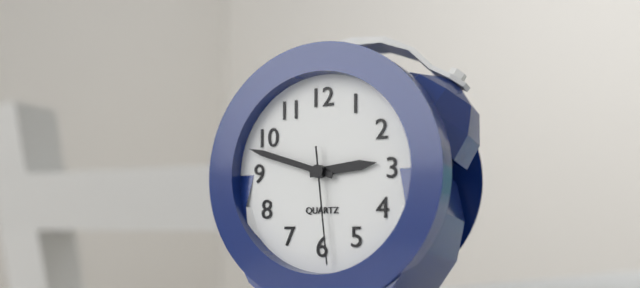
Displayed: **2:48:29**
